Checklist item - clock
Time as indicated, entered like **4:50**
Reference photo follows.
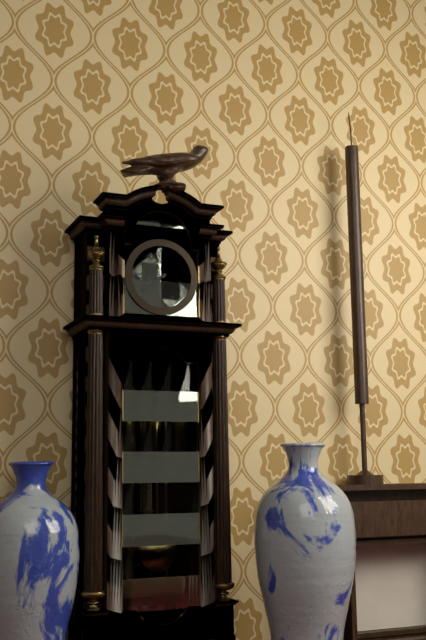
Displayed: **8:39**
